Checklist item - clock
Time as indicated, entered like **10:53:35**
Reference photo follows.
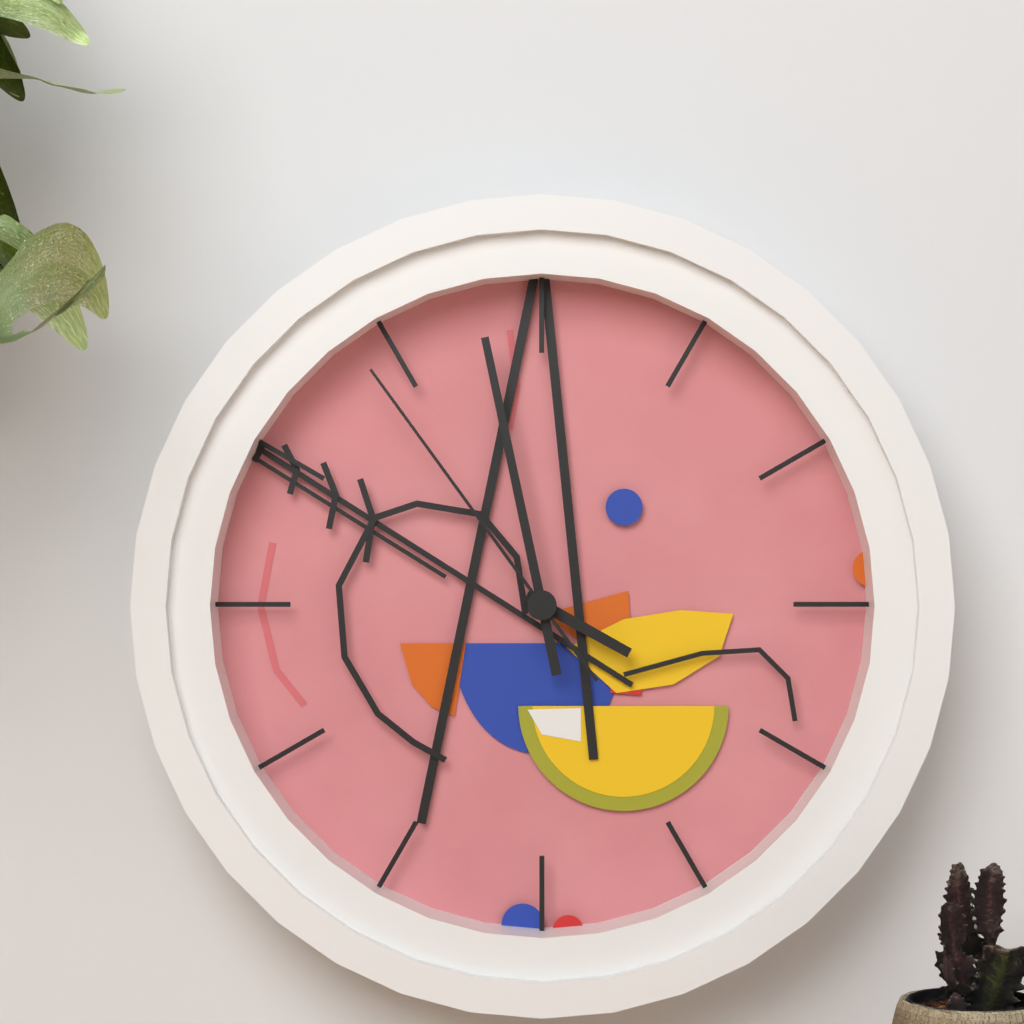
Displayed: **3:58:54**
